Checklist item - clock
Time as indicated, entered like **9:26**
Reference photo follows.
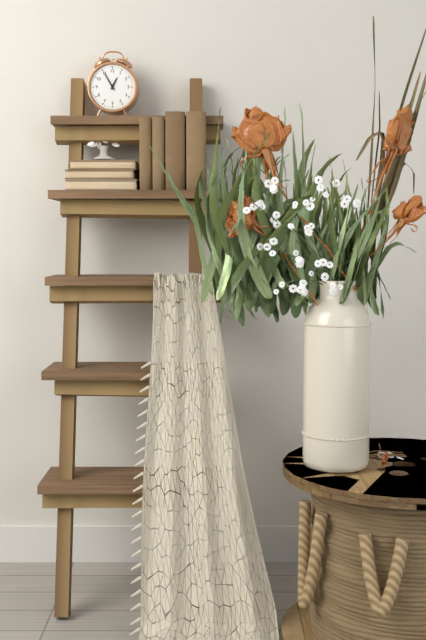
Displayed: **12:55**
